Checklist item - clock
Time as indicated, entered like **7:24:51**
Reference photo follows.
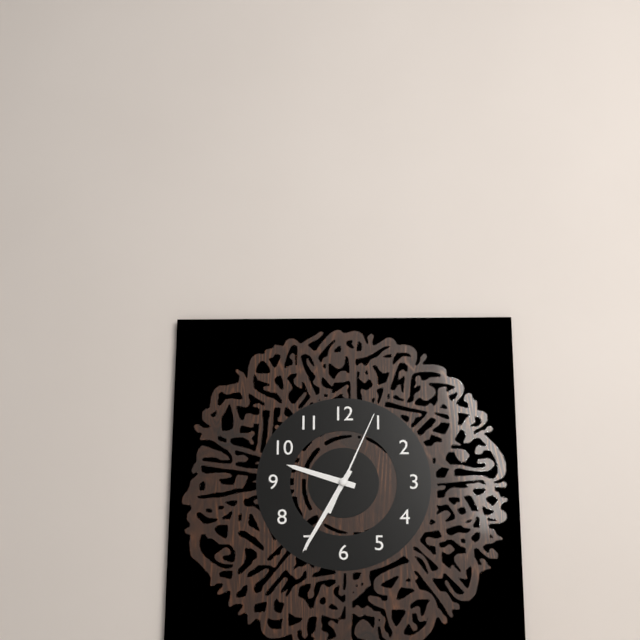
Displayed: **9:35:04**
